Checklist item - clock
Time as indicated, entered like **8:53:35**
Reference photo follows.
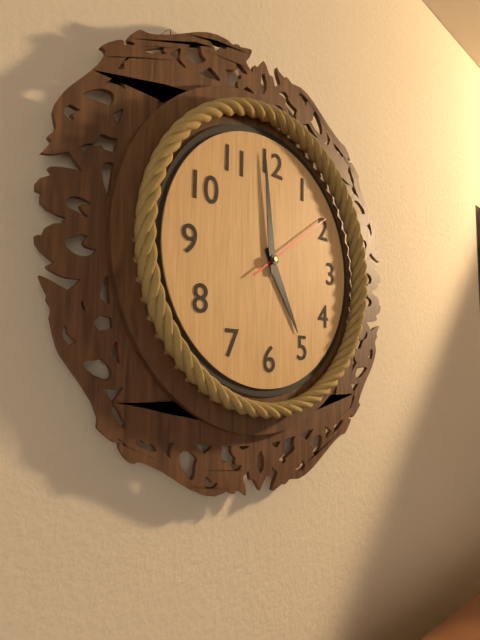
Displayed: **4:59:09**
